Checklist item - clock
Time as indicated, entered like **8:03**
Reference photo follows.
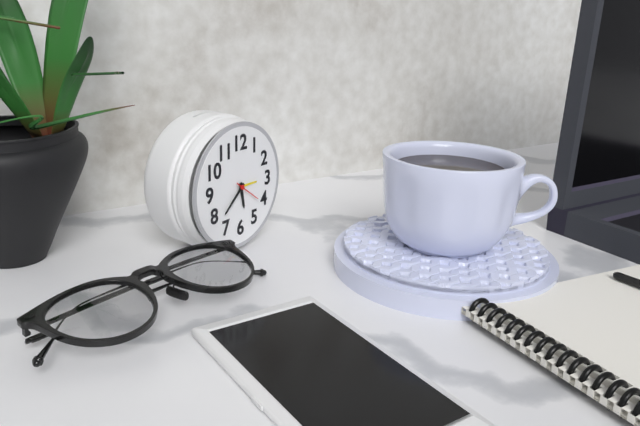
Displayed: **5:38**
